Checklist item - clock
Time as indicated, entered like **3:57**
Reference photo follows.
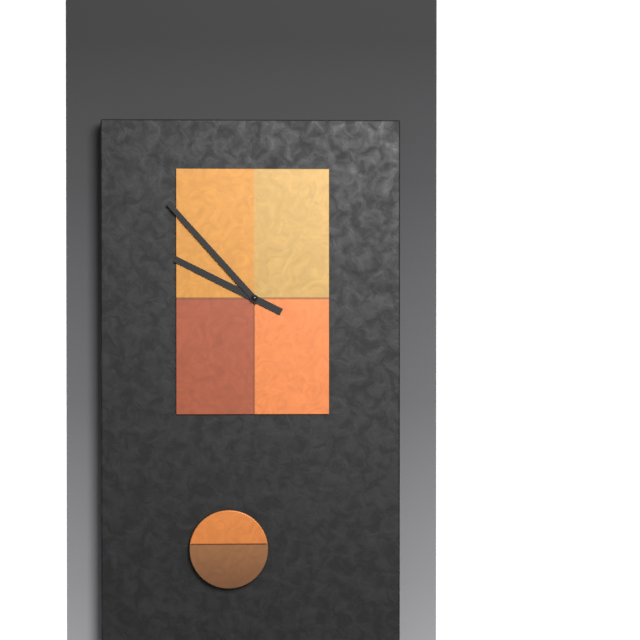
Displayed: **9:53**
